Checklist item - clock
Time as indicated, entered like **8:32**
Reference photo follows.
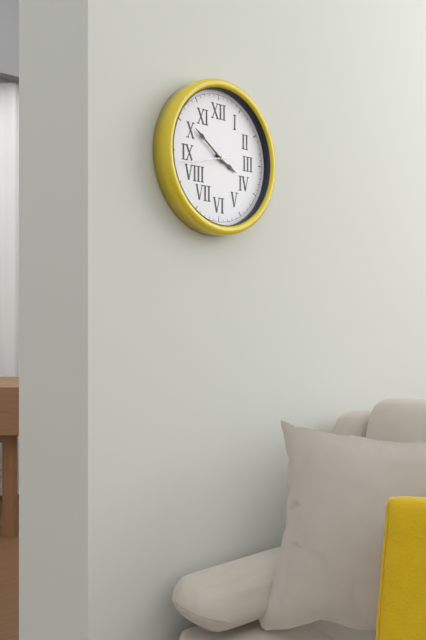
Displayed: **3:51**
